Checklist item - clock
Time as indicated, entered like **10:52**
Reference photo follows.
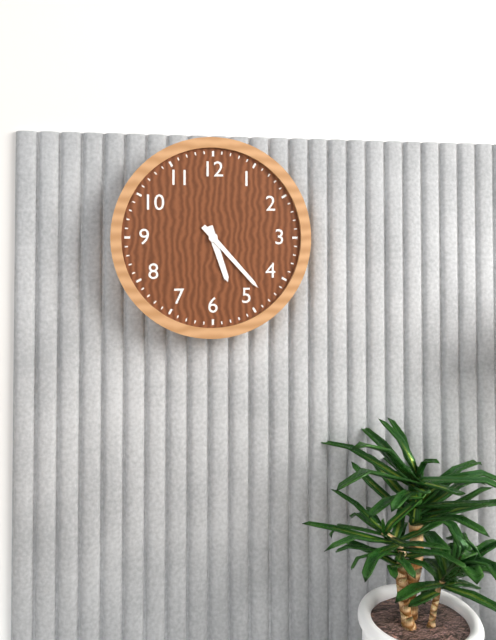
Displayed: **5:23**
